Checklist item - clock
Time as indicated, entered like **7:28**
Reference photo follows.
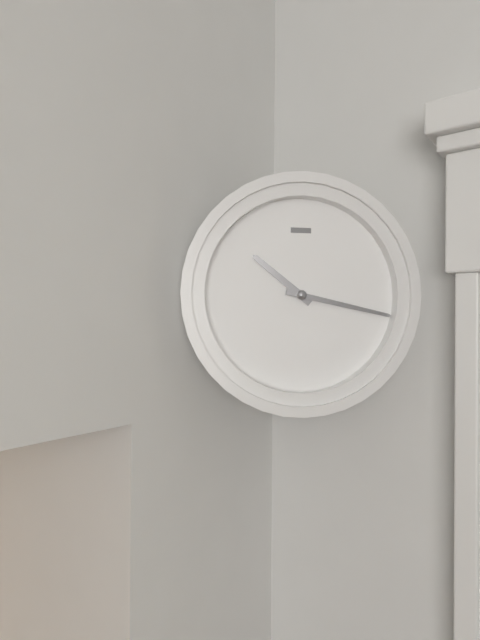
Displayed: **10:17**
